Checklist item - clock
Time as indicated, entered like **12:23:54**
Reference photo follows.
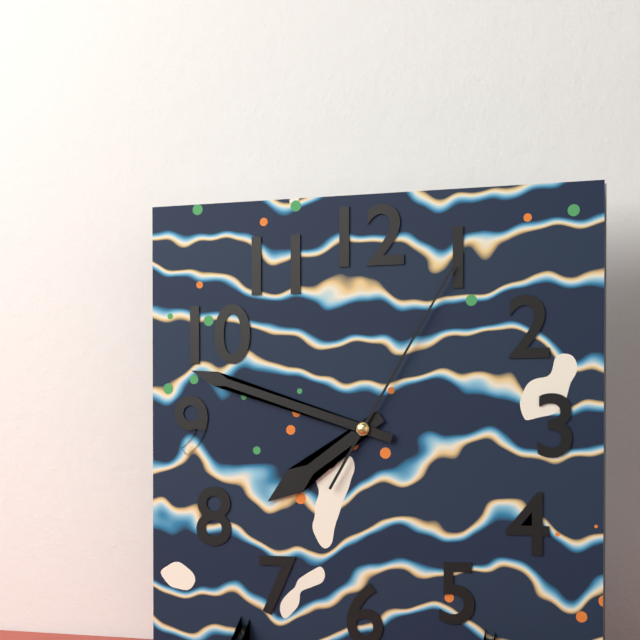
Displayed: **7:48:05**
